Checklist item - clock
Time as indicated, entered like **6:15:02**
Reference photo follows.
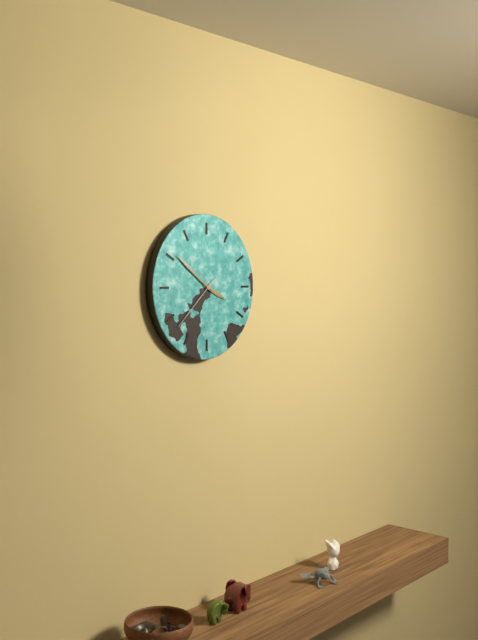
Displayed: **3:51:38**
